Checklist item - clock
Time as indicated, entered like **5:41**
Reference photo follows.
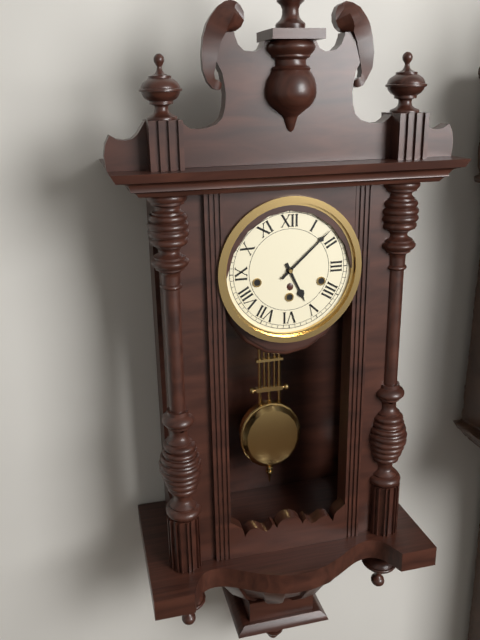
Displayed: **5:08**
